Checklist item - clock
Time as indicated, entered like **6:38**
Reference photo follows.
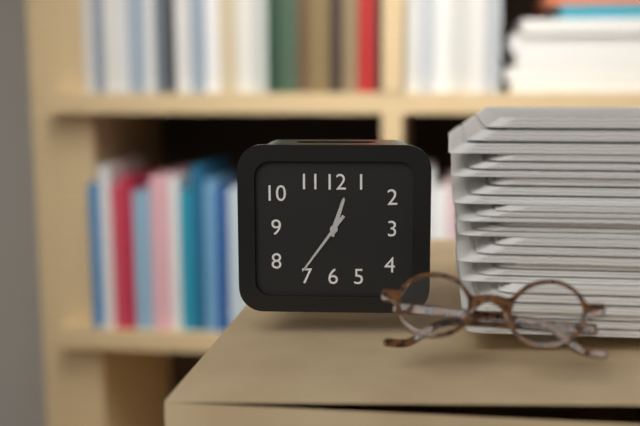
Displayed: **12:36**
